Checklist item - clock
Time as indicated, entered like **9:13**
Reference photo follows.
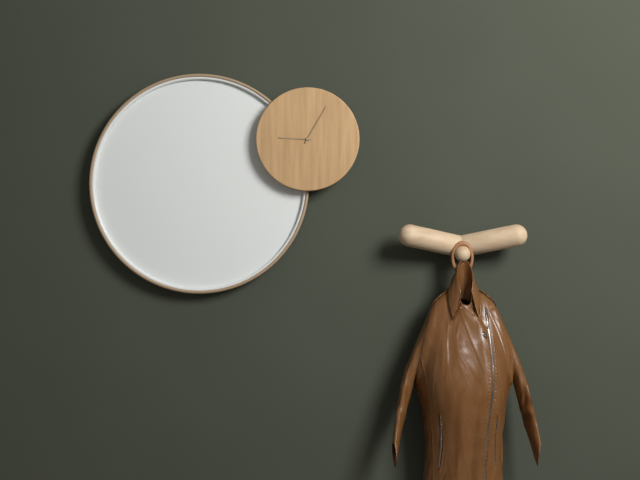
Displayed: **9:05**
